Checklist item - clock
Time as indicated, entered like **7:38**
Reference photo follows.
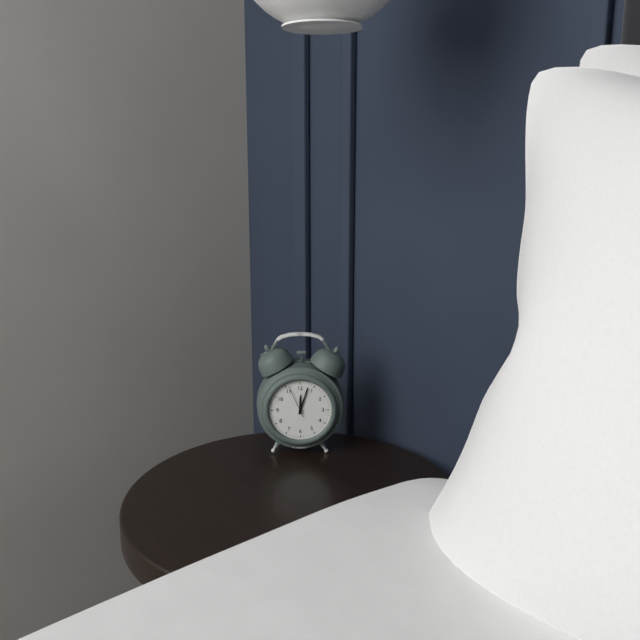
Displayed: **12:03**
